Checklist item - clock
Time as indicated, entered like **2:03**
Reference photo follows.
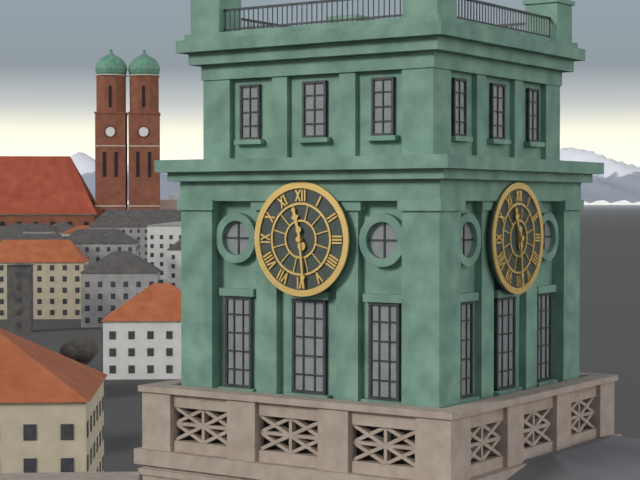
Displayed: **11:29**
